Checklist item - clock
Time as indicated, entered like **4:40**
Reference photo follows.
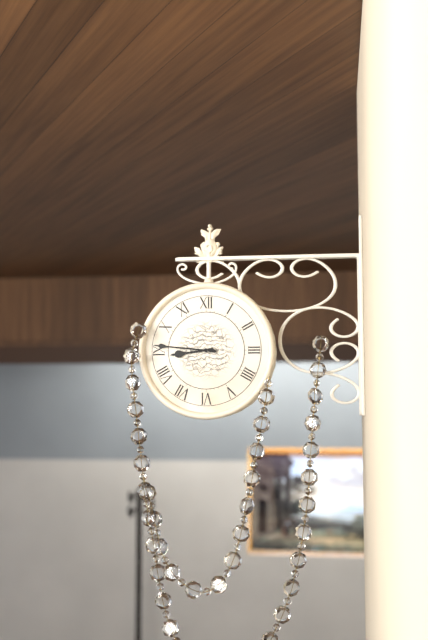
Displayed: **8:46**
